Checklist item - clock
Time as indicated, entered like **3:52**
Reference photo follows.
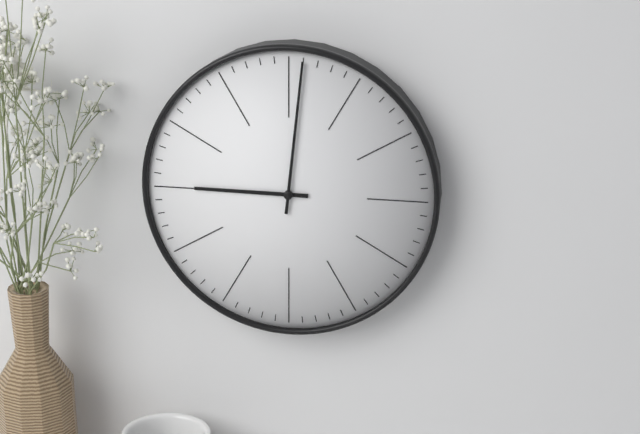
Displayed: **9:01**
